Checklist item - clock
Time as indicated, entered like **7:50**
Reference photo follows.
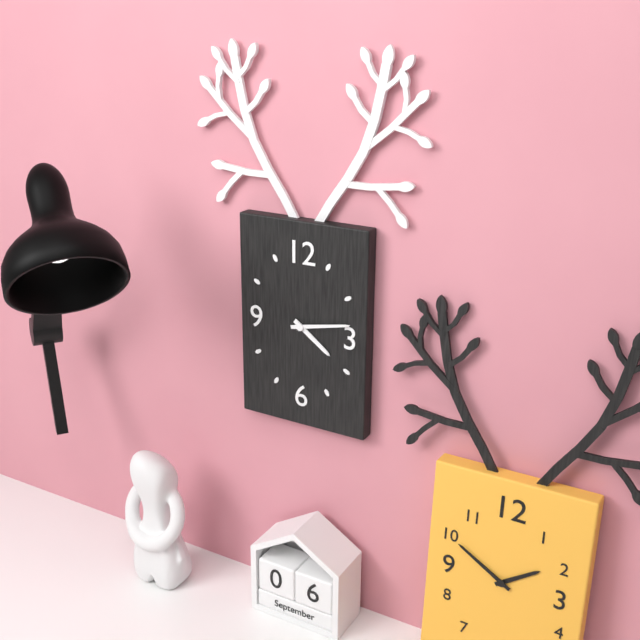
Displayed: **4:13**
